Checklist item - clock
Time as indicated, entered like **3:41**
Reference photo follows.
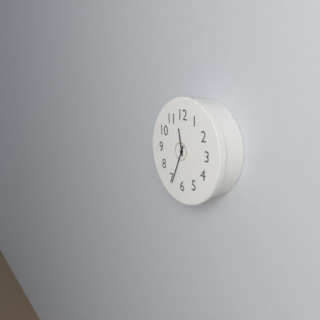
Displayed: **11:34**
